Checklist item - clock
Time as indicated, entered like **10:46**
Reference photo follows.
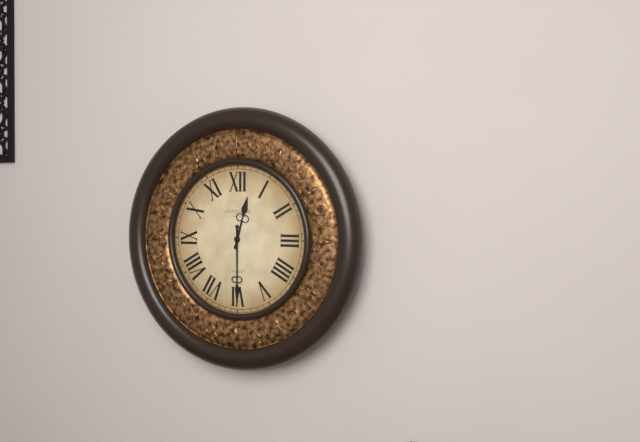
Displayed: **12:30**
